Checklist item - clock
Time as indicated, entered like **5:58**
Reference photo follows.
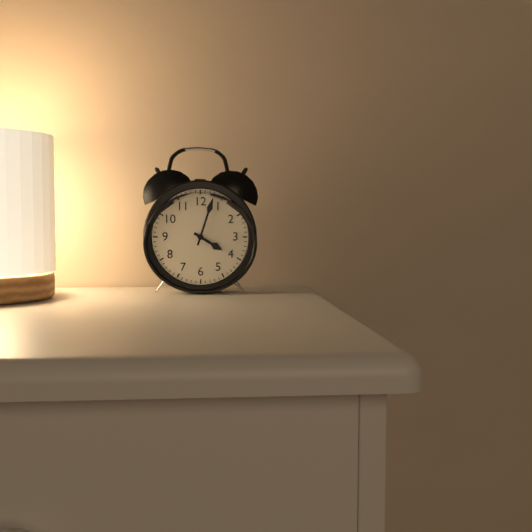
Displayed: **4:03**
